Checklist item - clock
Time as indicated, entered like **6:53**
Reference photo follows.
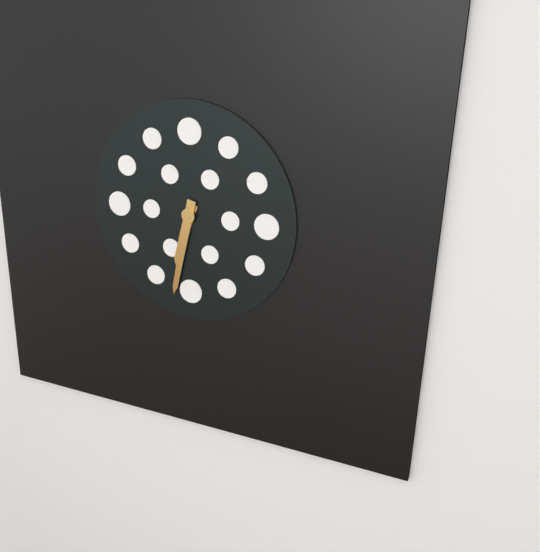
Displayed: **6:32**
